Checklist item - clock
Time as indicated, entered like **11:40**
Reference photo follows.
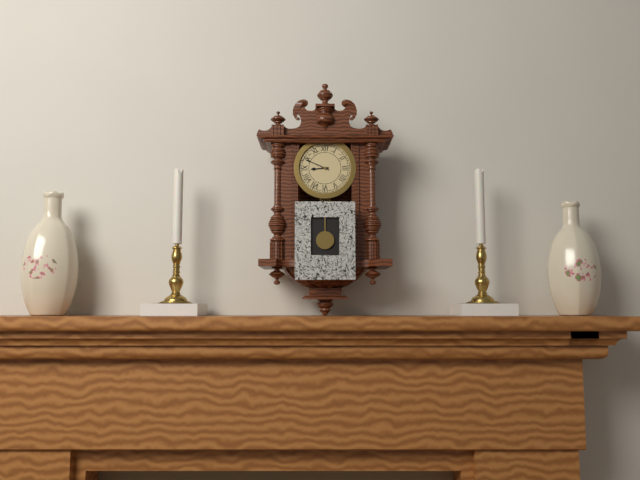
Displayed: **8:49**
